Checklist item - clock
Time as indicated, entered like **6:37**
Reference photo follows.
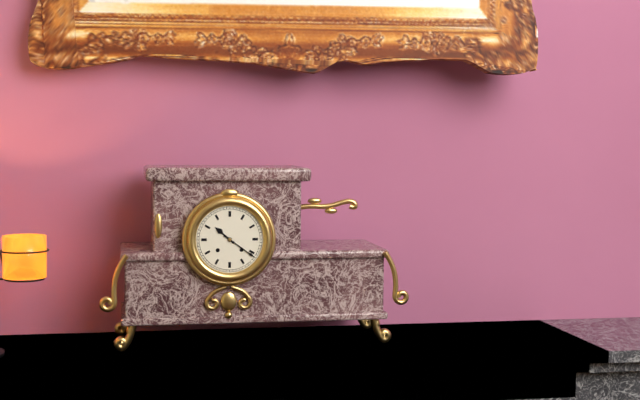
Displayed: **10:21**
